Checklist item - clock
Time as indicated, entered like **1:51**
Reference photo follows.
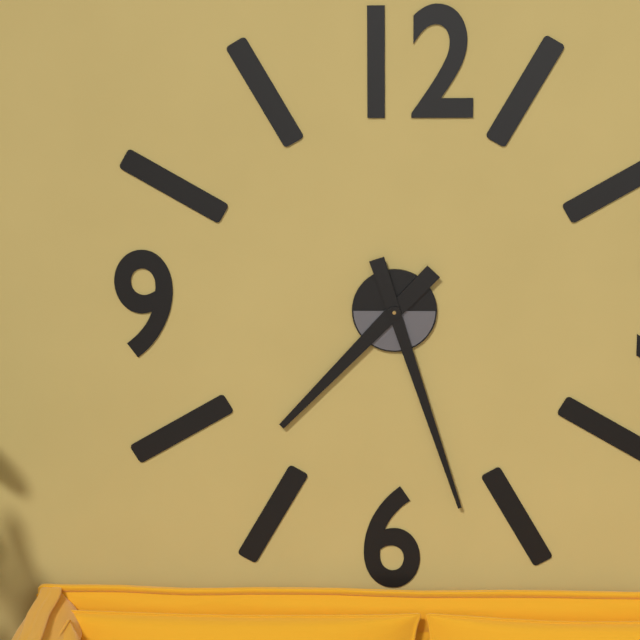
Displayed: **7:27**
